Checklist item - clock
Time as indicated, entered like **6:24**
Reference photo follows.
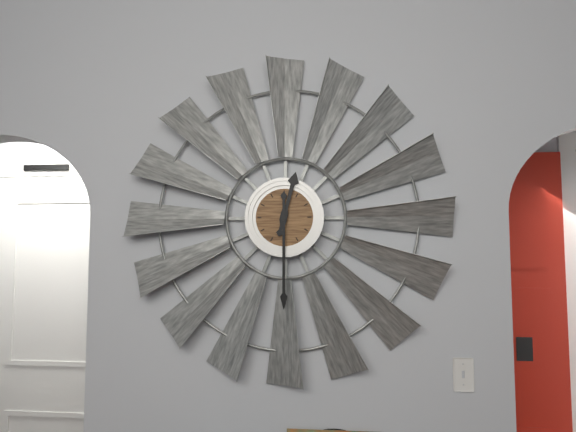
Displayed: **12:30**
